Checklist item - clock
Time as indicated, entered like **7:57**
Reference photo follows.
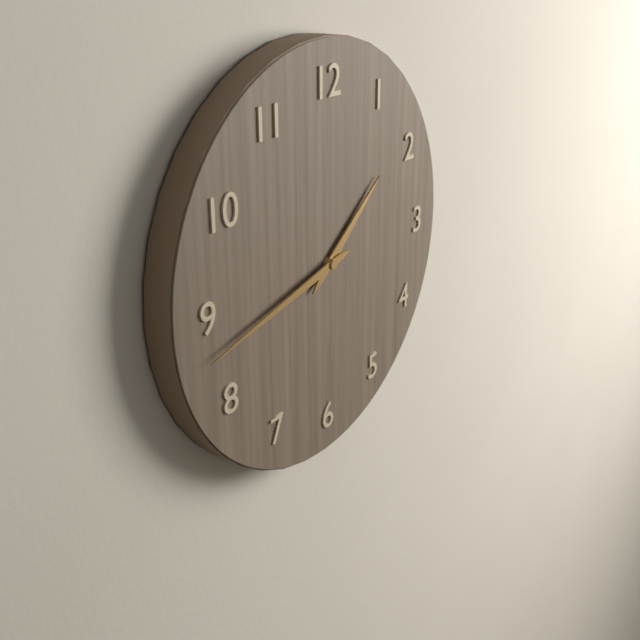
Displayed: **1:43**
